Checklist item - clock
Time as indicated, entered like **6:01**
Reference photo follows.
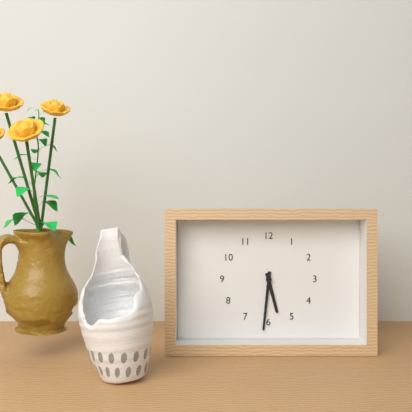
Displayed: **5:31**
